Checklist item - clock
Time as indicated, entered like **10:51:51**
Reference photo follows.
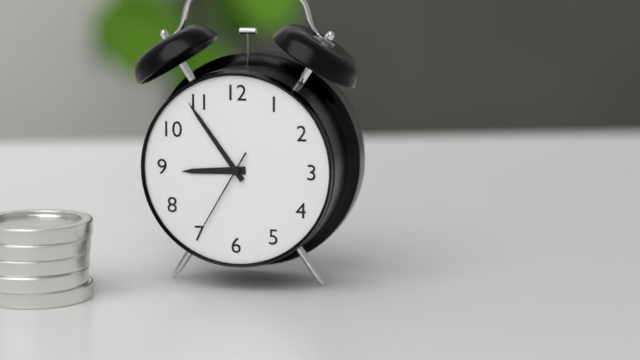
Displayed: **8:54:35**
